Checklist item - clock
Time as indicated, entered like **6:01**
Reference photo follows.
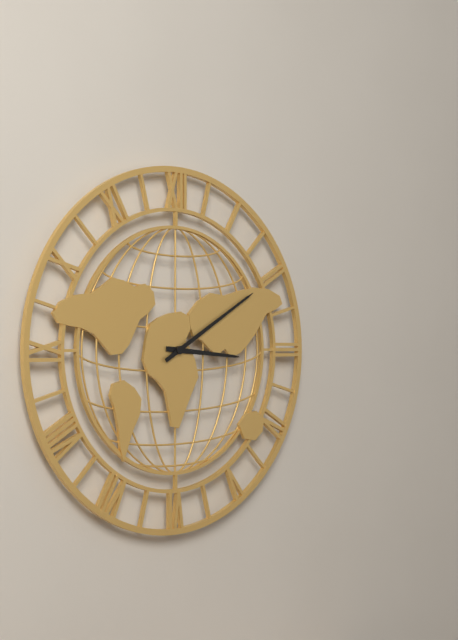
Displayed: **3:10**
